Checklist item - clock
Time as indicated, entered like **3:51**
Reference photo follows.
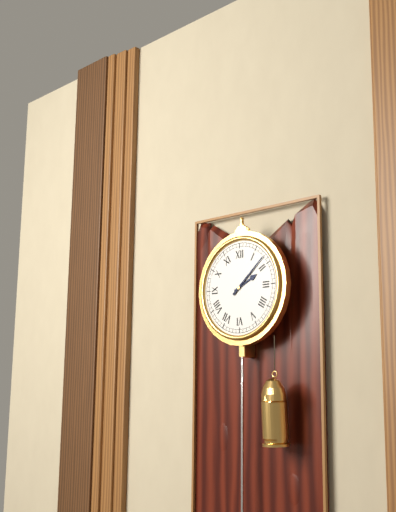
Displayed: **2:08**
